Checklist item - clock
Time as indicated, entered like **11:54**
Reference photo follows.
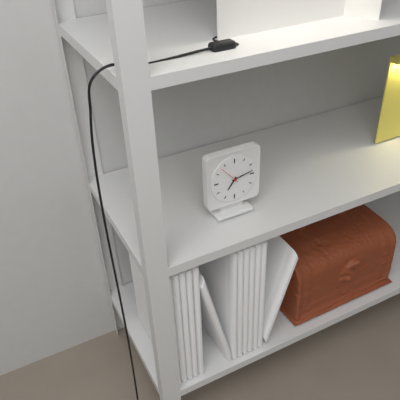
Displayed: **7:13**
